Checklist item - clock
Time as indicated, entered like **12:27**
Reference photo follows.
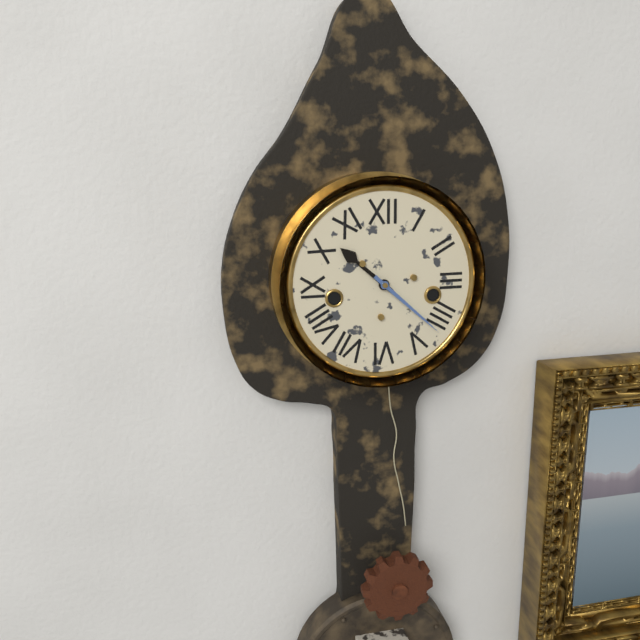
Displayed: **10:22**
